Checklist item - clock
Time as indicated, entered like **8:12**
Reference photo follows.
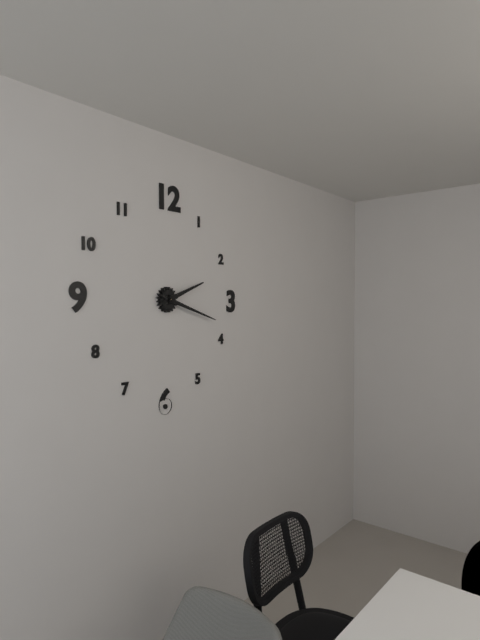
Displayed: **2:18**
